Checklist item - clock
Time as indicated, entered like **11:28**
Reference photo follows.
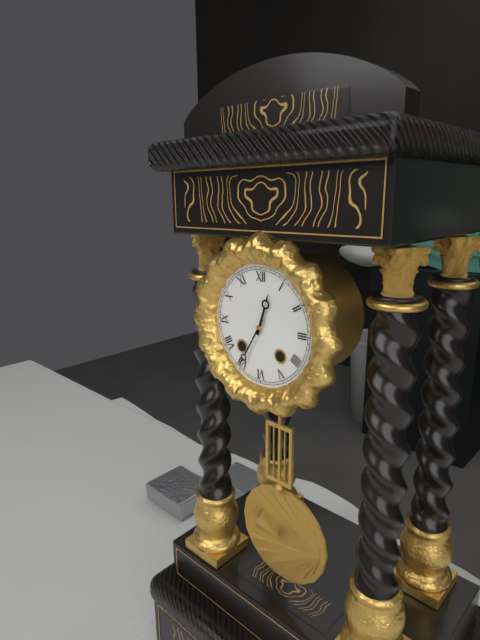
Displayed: **12:35**
